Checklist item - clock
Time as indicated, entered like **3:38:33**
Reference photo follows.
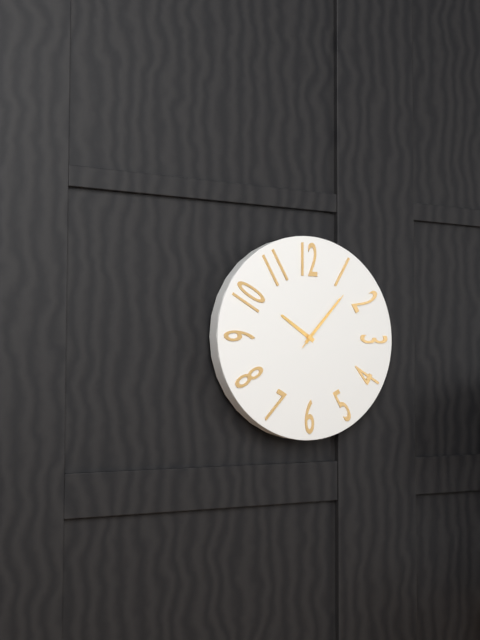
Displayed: **10:07:07**
